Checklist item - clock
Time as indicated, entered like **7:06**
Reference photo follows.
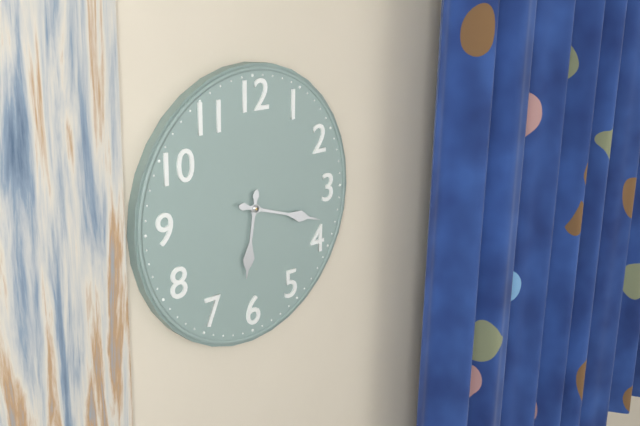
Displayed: **6:18**
